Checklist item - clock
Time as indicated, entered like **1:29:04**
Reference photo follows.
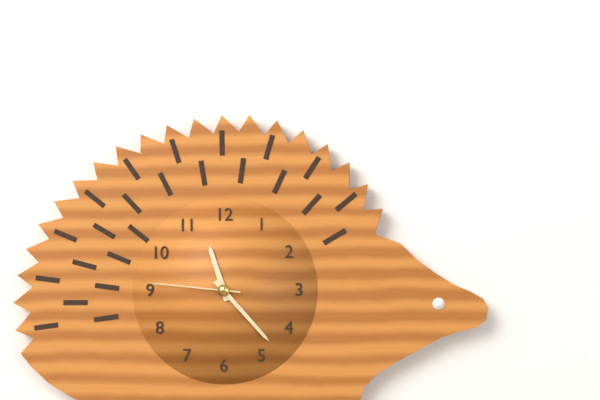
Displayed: **11:23:46**
